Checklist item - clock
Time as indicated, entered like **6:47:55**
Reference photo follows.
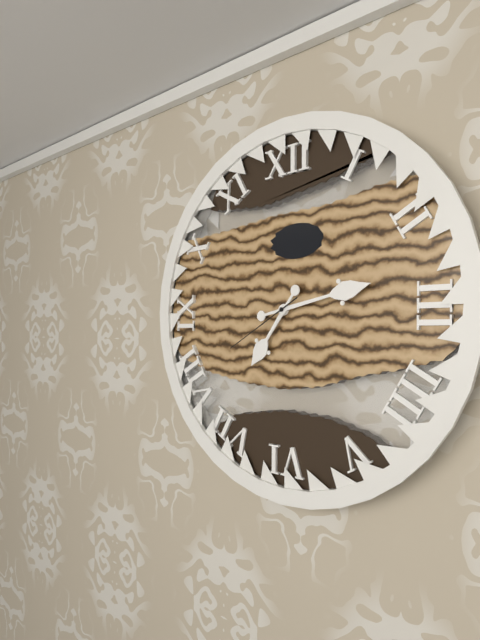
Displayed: **7:13:40**
